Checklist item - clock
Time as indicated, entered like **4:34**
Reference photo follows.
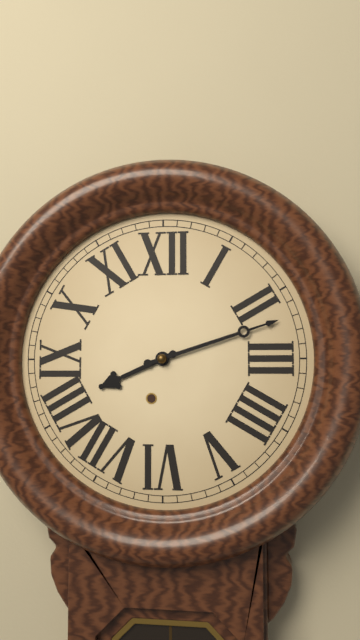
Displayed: **8:12**
